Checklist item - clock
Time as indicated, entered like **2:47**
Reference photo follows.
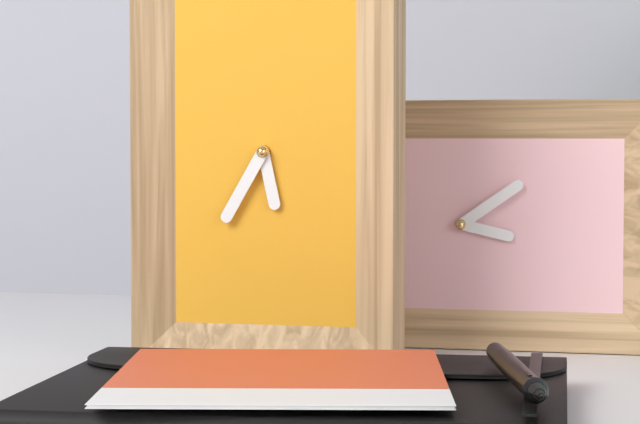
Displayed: **5:35**
